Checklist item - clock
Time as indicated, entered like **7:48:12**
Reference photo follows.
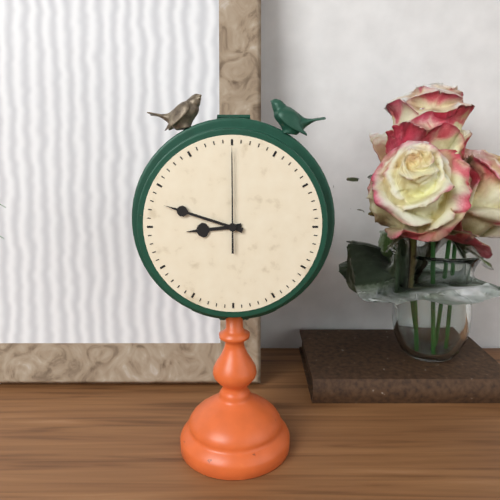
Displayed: **8:48:00**
